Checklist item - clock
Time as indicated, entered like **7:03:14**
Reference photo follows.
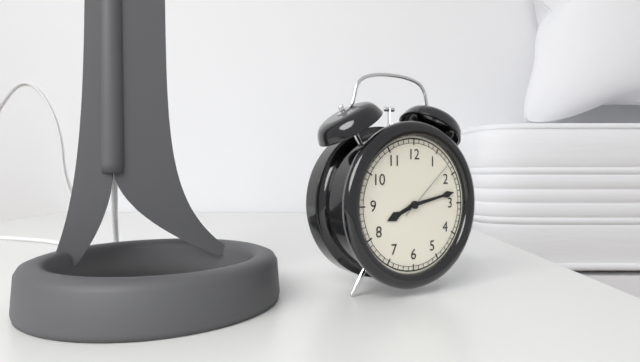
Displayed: **8:13:08**
